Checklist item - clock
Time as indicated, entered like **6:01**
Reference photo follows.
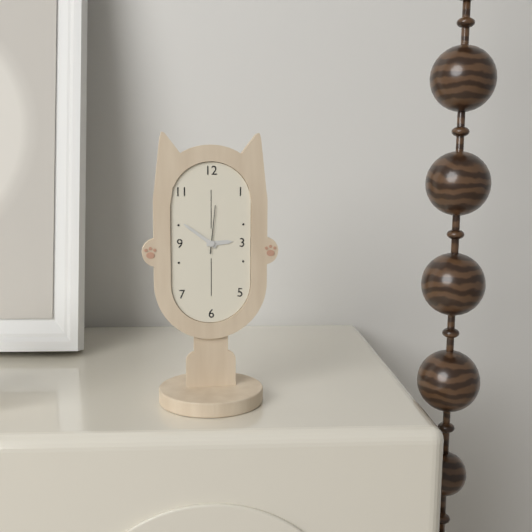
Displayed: **2:51**
